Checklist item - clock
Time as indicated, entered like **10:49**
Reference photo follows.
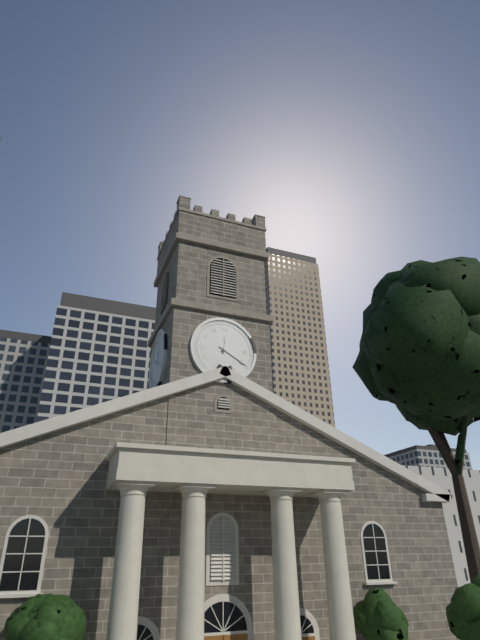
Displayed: **12:20**
